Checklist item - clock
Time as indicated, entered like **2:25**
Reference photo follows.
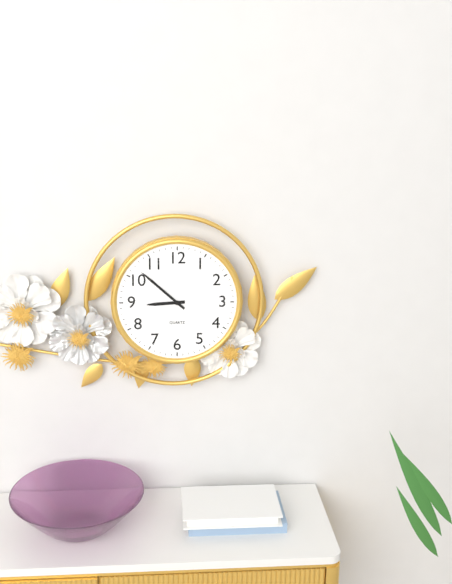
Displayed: **8:52**
